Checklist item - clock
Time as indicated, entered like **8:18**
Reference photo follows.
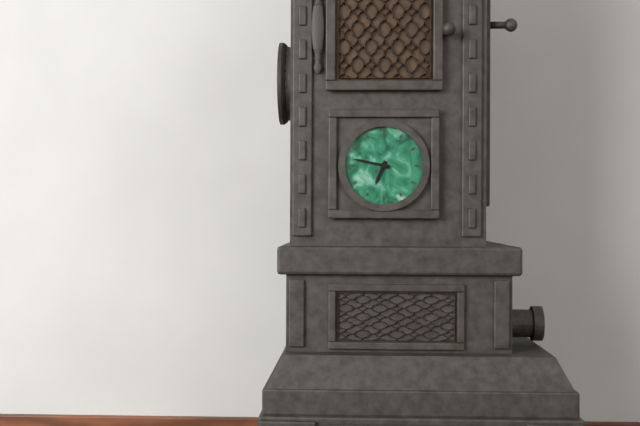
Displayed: **6:47**
